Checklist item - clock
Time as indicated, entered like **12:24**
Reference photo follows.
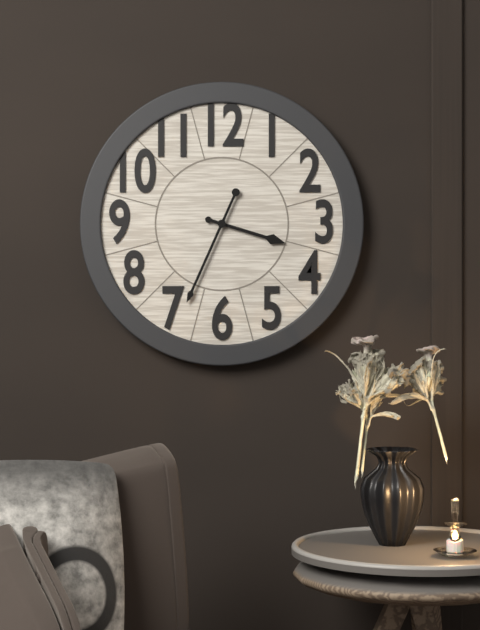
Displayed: **3:34**
